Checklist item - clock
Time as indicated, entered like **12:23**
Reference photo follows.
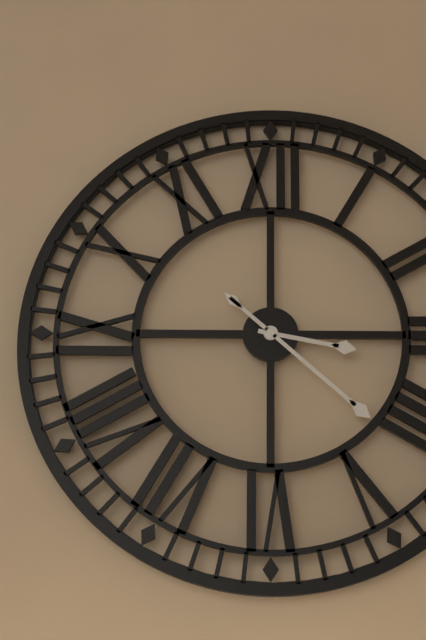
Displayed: **3:22**
